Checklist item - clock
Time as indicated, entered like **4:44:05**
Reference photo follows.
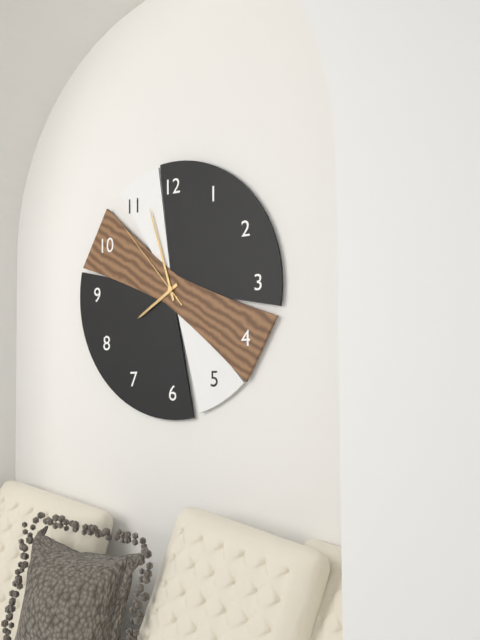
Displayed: **7:57:53**
